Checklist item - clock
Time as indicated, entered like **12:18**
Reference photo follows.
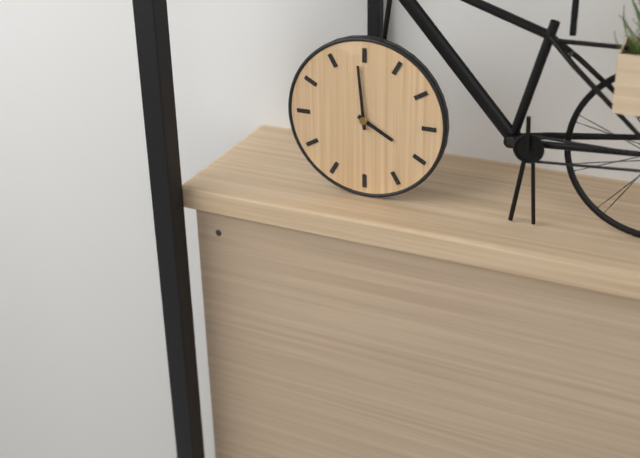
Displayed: **3:59**
